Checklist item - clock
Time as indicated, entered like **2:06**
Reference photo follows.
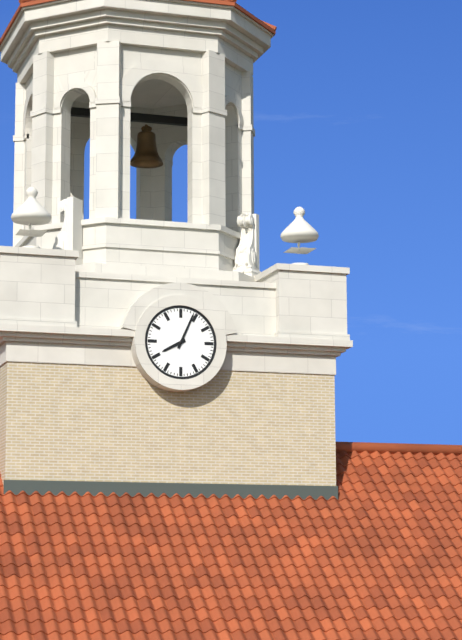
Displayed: **8:04**
